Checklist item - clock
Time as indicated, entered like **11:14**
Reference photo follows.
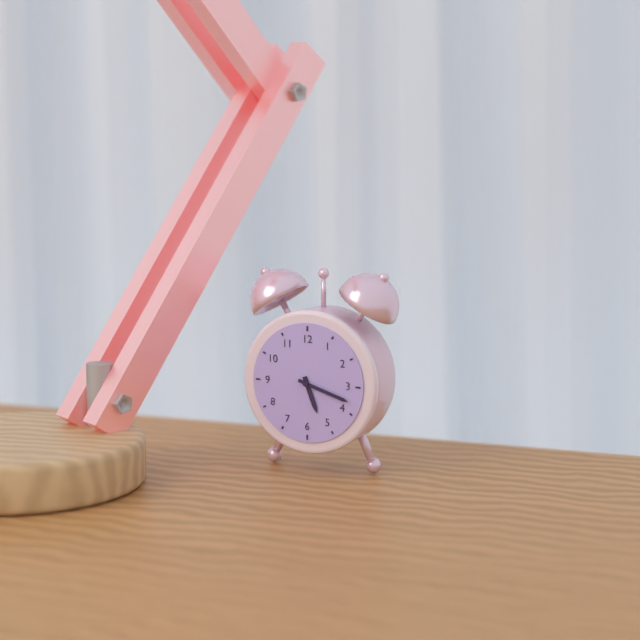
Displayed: **5:18**
